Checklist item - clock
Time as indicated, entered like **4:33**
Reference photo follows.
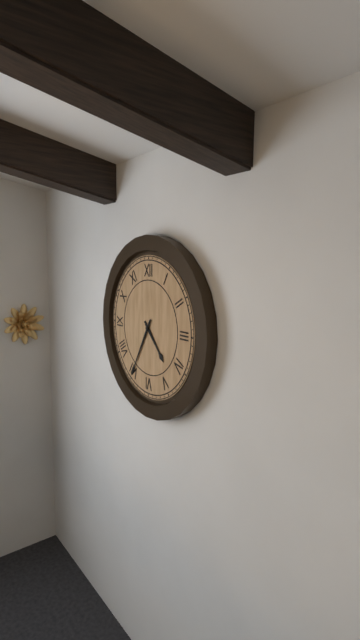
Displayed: **4:35**
